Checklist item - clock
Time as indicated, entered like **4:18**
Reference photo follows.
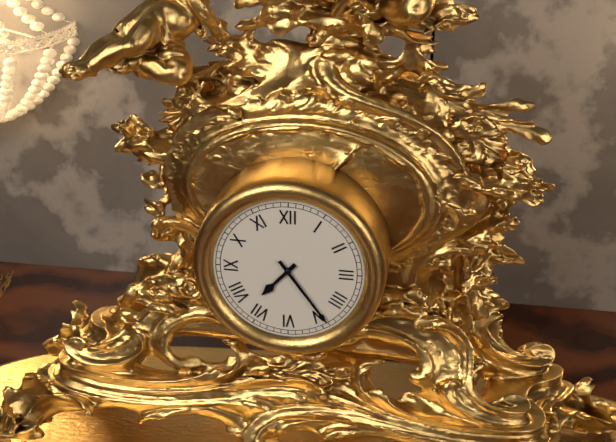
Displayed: **7:24**
